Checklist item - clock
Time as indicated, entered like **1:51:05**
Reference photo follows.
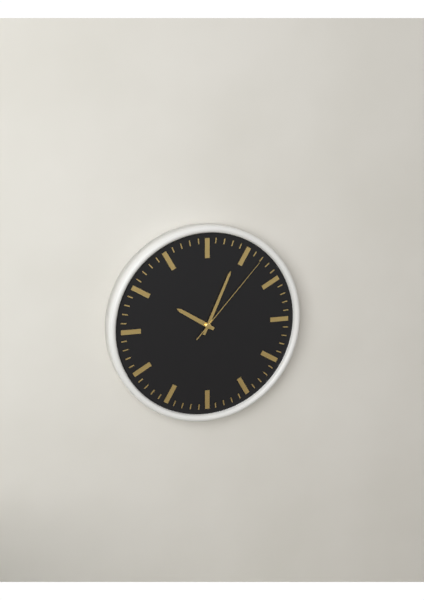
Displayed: **10:04:07**
